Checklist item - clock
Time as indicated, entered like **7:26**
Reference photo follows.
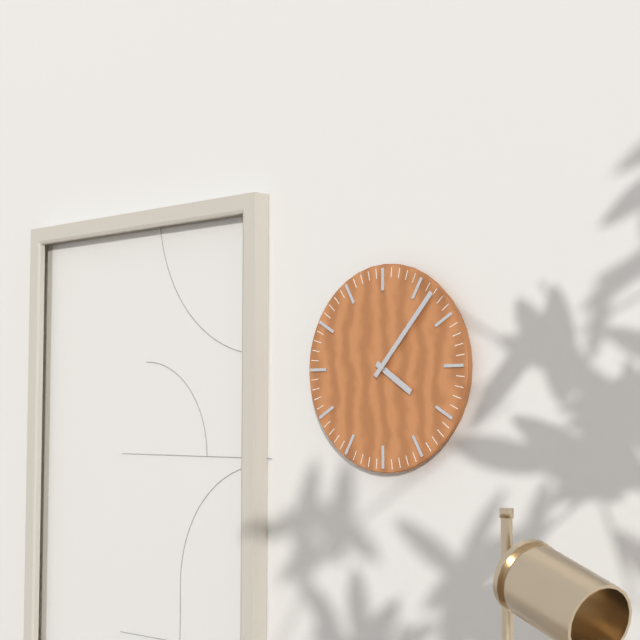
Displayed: **4:07**
